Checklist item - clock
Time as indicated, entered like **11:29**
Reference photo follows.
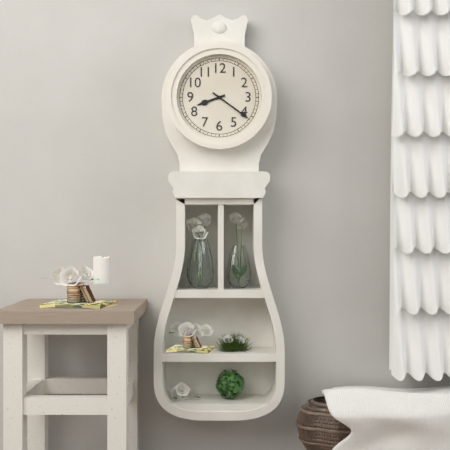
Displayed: **8:21**
